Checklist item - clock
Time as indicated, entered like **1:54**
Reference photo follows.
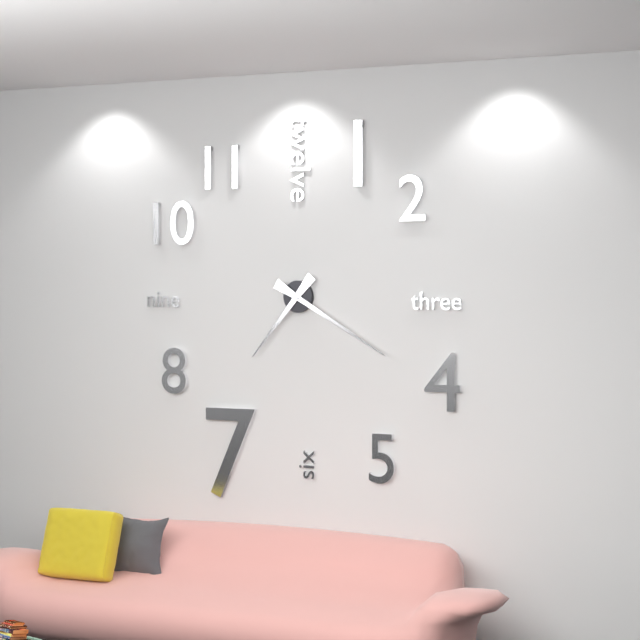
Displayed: **7:20**
